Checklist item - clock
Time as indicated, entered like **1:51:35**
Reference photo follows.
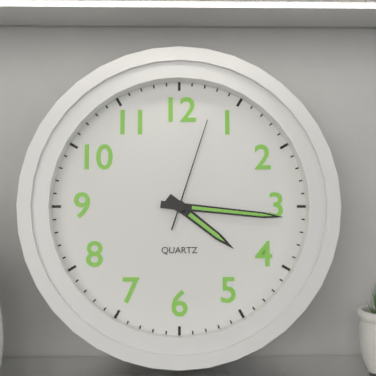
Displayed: **4:16:03**
